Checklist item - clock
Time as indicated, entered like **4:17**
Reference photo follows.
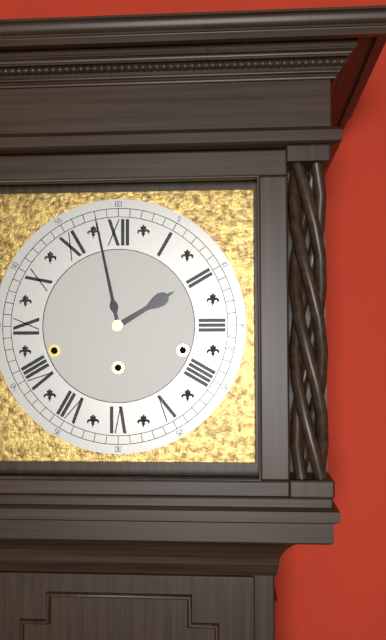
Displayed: **1:58**
